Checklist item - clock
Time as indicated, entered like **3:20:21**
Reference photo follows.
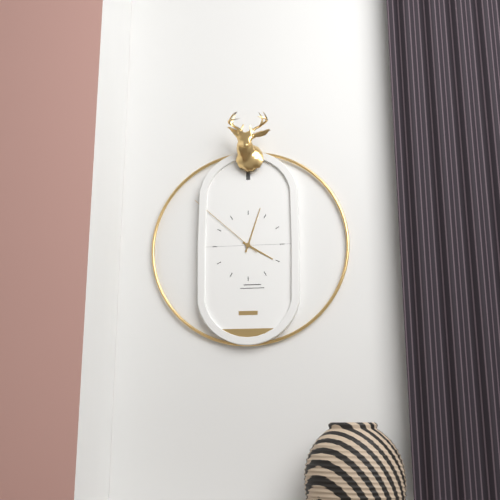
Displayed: **4:03:52**
